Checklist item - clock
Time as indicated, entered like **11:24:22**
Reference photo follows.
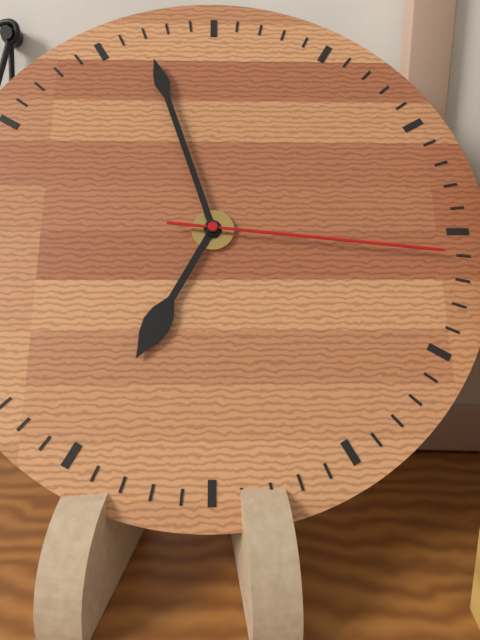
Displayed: **6:57:16**
